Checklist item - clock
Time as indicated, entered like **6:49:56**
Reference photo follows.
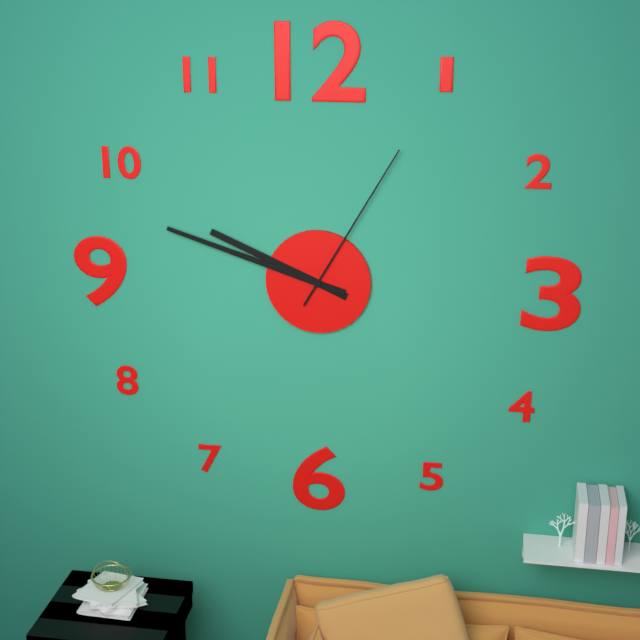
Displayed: **9:48:05**
